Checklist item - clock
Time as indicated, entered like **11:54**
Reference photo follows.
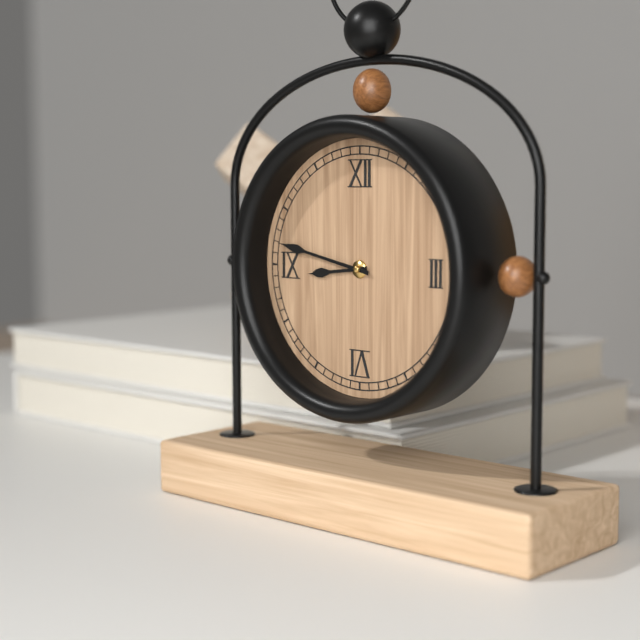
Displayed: **8:47**
